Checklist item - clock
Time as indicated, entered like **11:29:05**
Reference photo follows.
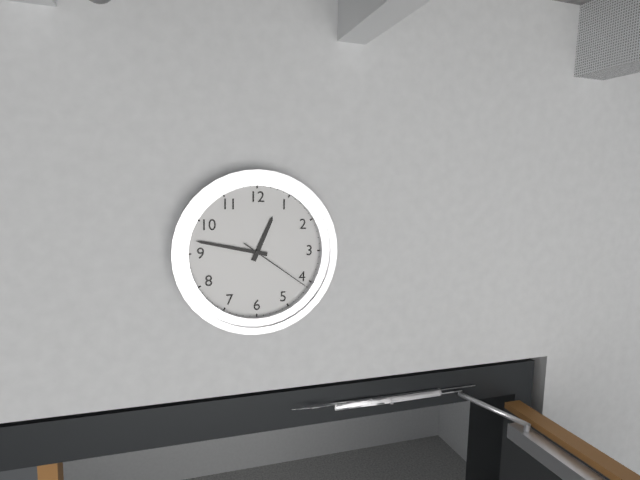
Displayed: **12:47:21**
